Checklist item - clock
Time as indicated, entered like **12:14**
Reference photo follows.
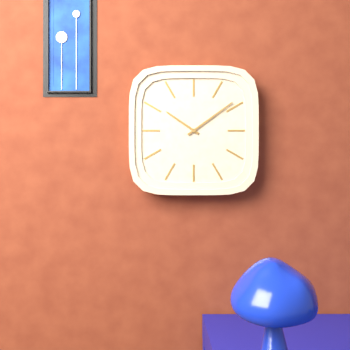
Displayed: **10:09**
